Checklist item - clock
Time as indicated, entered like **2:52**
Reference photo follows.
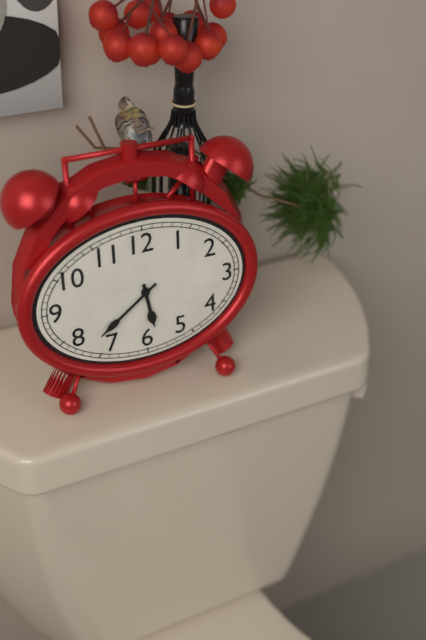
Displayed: **5:39**
